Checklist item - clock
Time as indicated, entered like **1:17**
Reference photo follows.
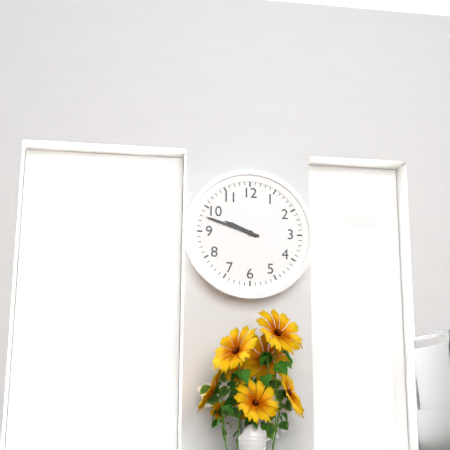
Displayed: **9:48**
